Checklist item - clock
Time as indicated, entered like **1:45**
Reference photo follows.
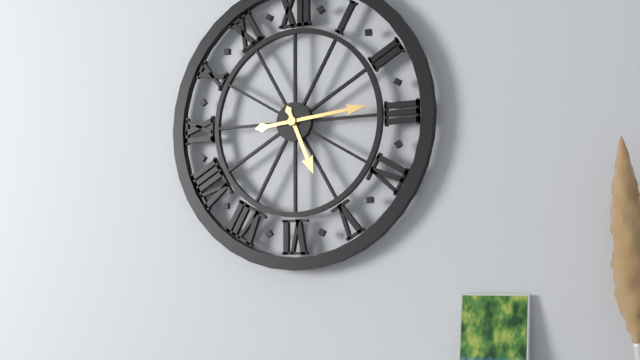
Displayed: **5:14**
